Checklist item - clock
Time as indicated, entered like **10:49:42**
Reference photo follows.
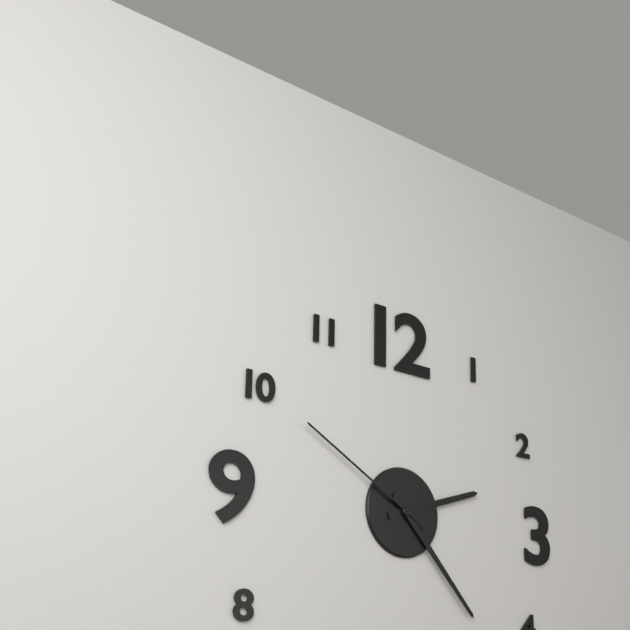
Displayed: **2:23:50**
